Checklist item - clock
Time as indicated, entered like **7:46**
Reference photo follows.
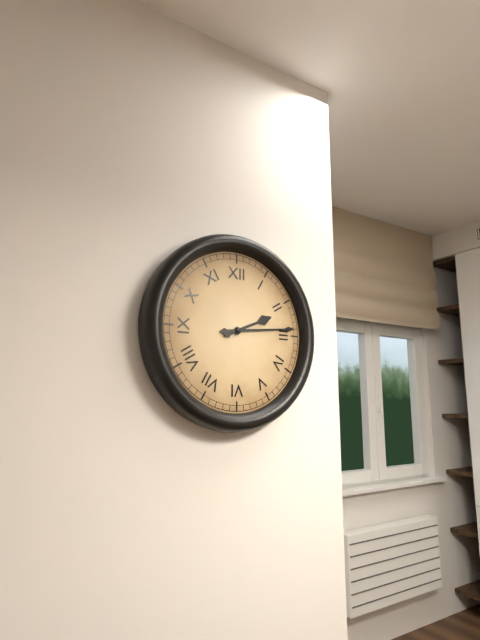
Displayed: **2:14**
